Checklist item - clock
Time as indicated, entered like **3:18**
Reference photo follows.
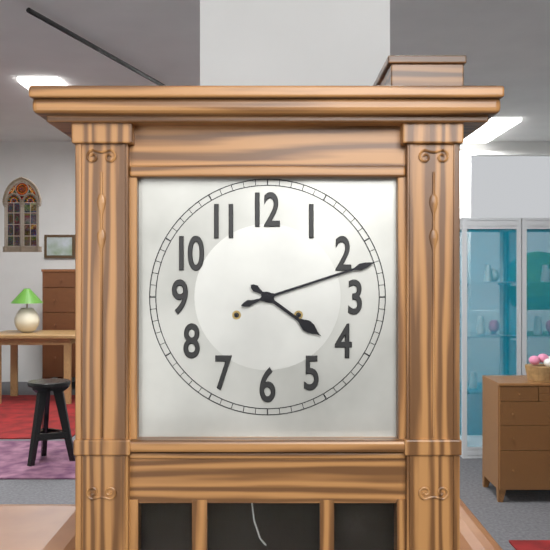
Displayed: **4:12**
